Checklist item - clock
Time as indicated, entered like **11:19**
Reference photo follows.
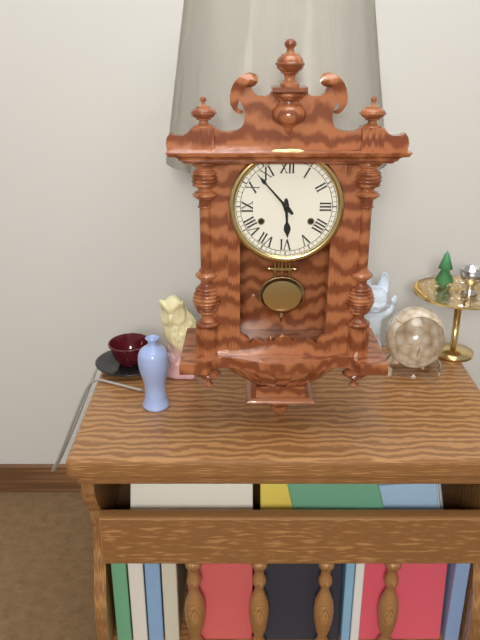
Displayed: **5:53**
